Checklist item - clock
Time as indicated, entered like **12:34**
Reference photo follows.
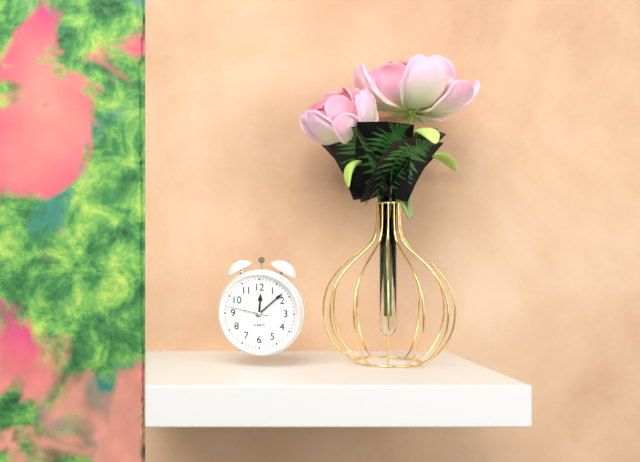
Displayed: **12:08**
